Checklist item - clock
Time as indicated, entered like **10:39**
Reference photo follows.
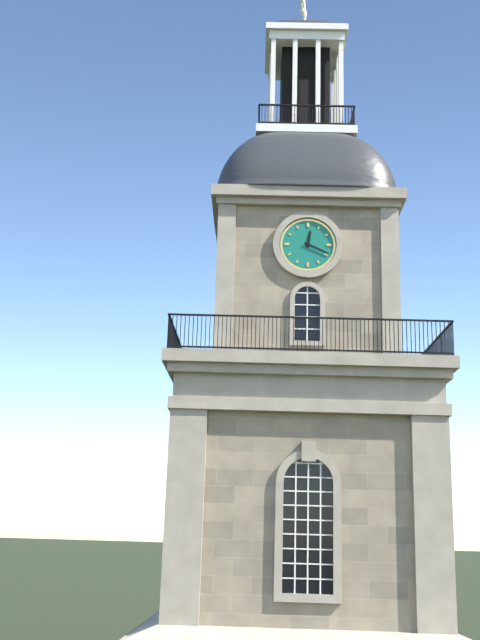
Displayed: **12:19**
